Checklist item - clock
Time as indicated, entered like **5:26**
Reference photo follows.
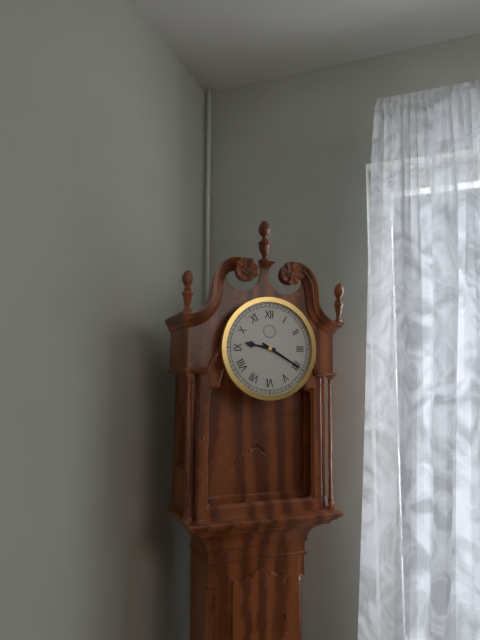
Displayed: **9:20**
